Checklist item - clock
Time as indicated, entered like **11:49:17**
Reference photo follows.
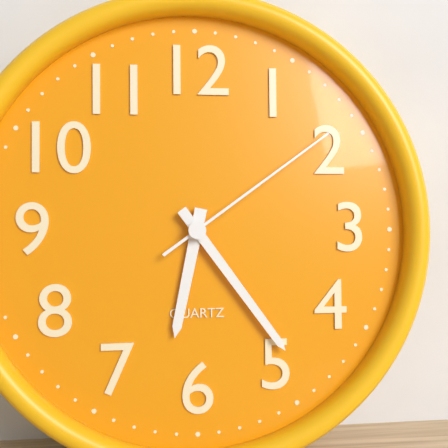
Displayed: **6:24:09**
